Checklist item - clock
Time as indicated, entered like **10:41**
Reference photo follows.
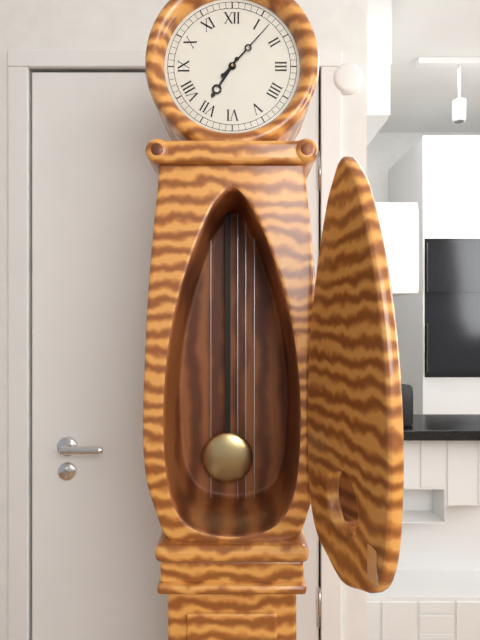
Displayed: **7:07**
